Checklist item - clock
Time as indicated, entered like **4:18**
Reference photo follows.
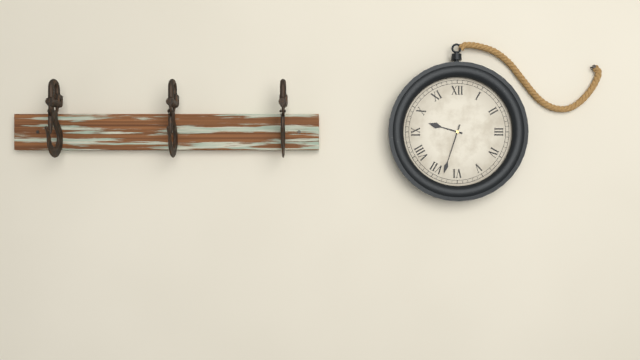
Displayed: **9:33**
